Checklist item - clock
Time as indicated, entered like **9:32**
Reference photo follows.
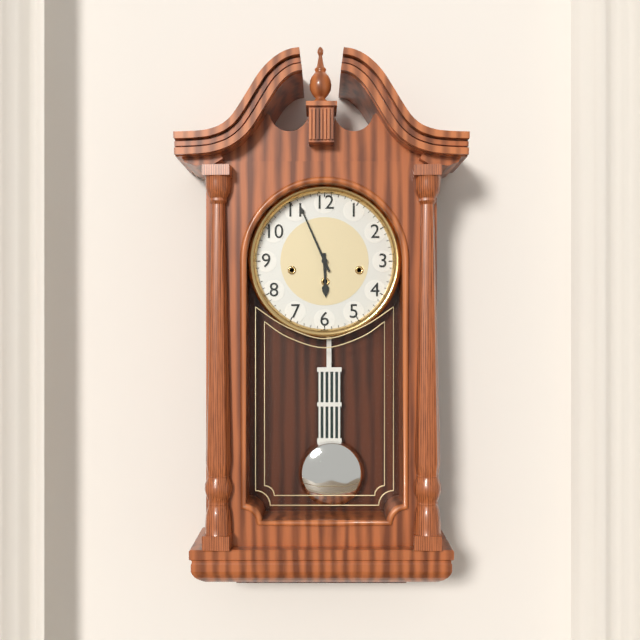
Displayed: **5:56**
